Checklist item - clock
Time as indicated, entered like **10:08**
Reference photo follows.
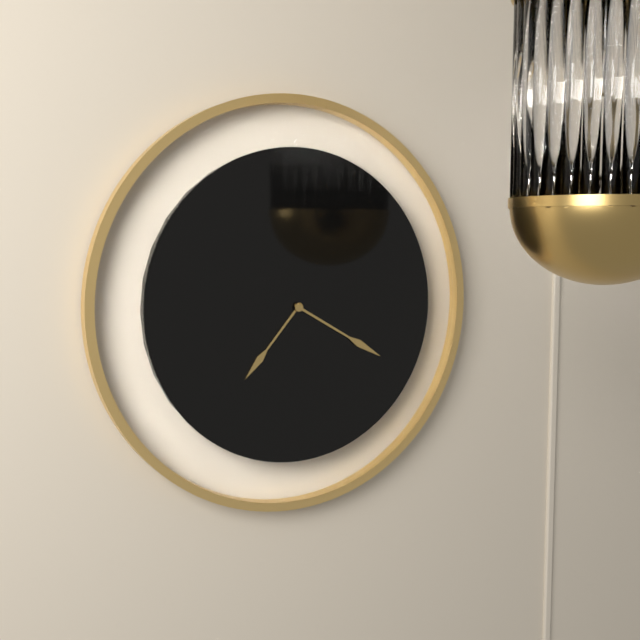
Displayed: **7:20**
